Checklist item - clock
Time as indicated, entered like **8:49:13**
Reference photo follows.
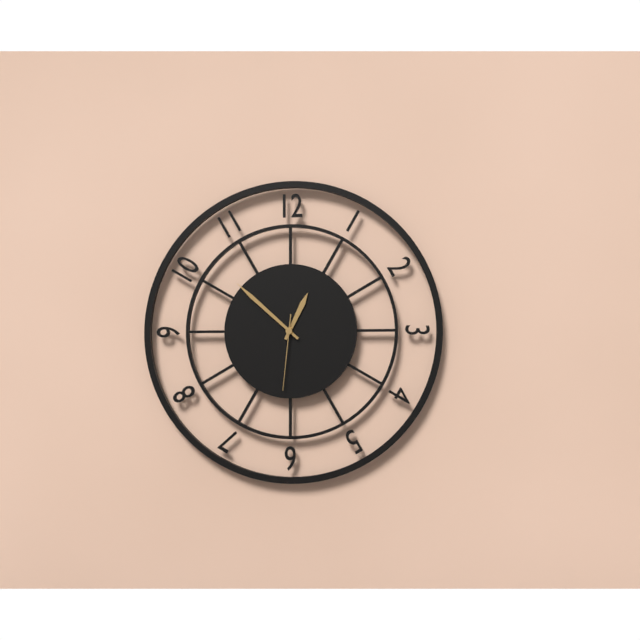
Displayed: **12:52:31**
